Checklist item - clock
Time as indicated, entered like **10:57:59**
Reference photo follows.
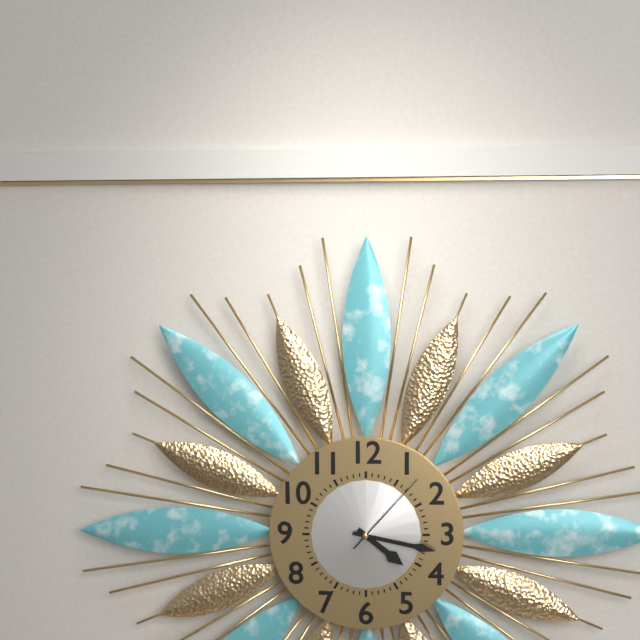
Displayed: **4:17:07**
